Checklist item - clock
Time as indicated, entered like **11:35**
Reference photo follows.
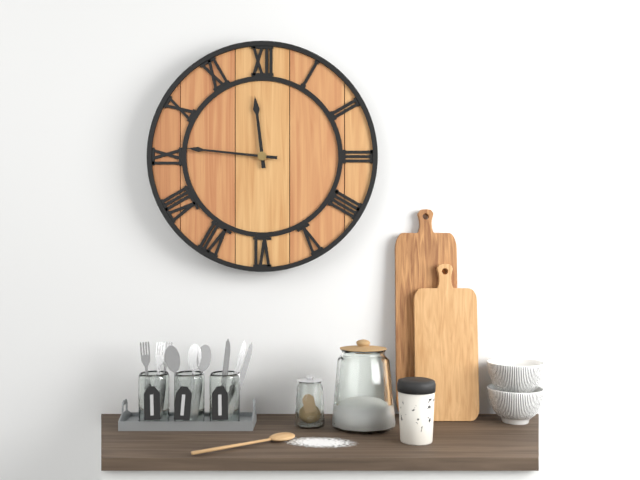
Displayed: **11:46**
